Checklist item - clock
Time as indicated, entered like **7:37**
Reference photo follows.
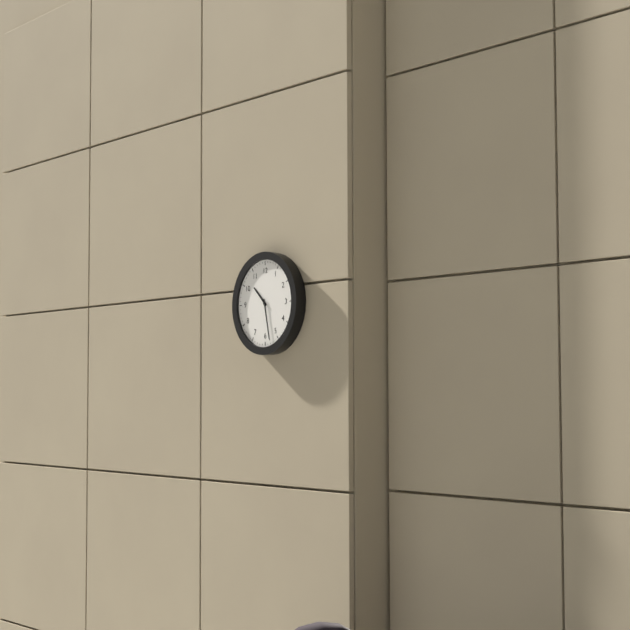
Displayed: **10:28**
